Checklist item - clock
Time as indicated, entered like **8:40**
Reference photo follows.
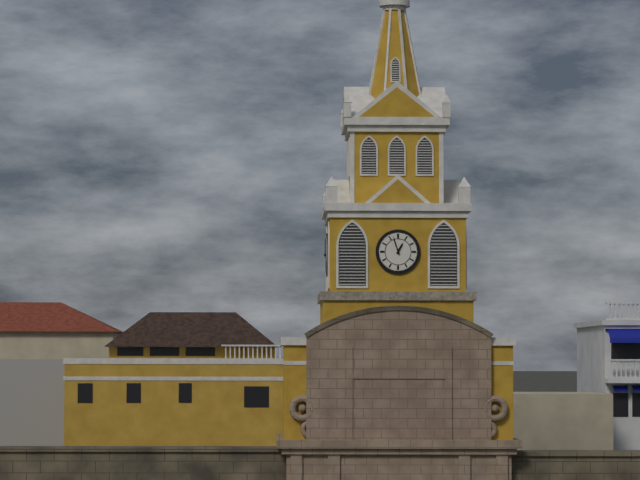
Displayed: **12:57**
